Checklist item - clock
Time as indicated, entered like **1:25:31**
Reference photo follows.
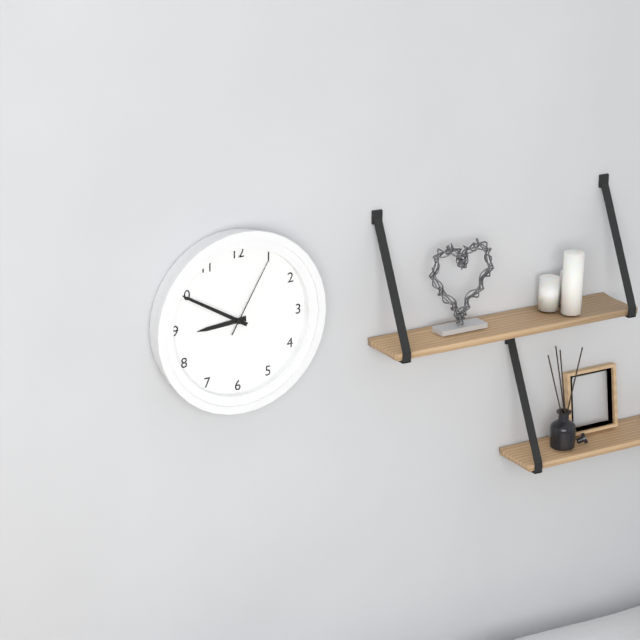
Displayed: **8:50:05**
